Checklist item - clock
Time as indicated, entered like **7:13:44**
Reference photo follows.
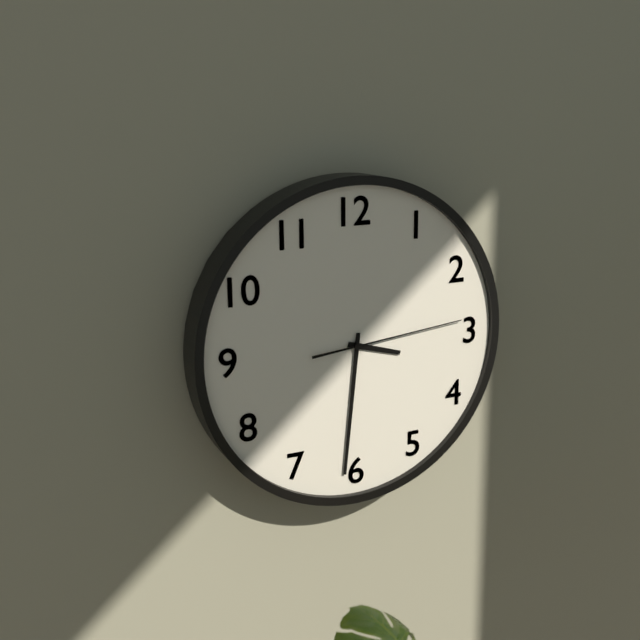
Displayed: **3:31:14**
